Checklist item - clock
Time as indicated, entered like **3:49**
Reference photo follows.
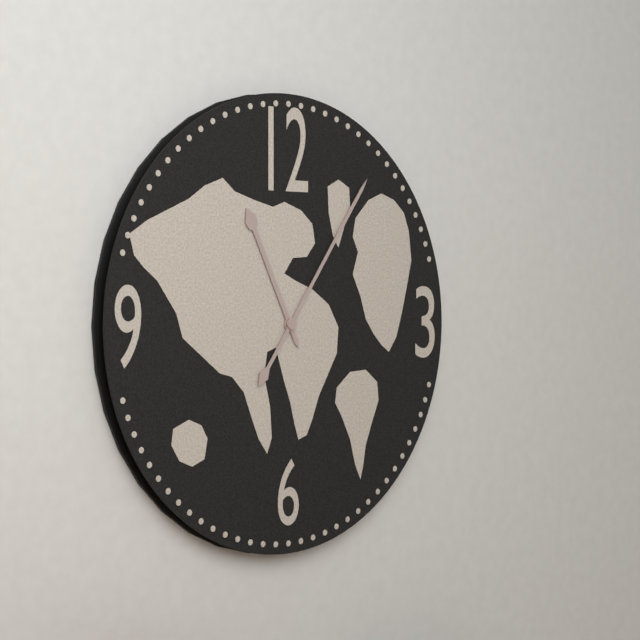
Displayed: **11:06**
